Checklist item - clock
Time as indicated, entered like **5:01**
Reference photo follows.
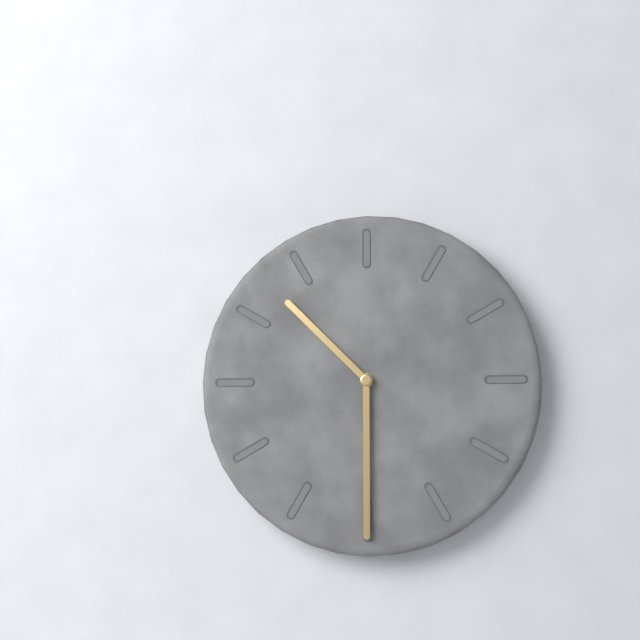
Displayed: **10:30**
